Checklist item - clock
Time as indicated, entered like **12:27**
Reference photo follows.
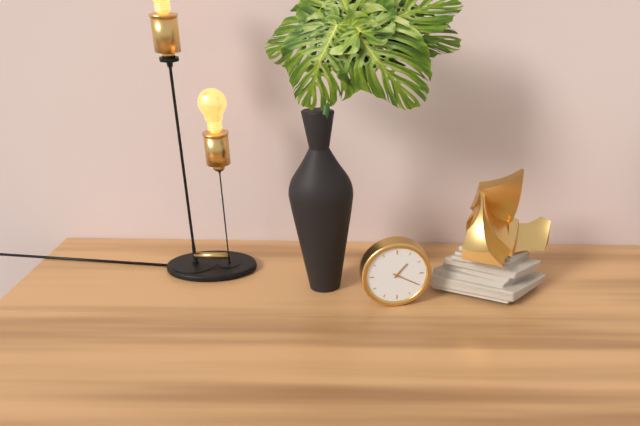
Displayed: **1:20**
